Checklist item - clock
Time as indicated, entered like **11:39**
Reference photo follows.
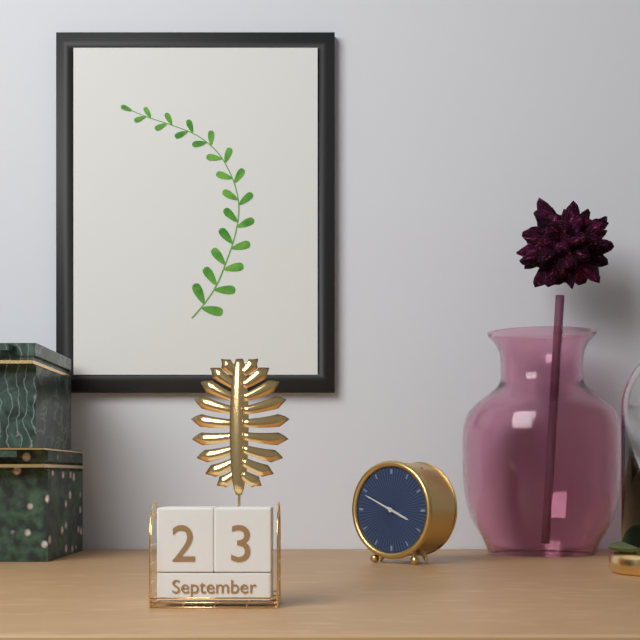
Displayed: **3:49**
